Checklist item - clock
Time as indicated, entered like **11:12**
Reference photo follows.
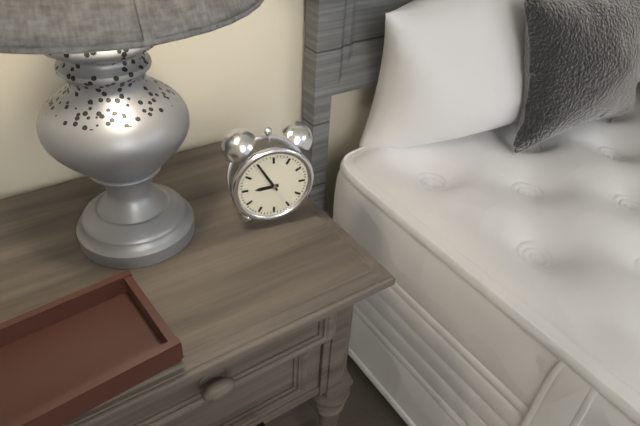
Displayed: **8:55**
